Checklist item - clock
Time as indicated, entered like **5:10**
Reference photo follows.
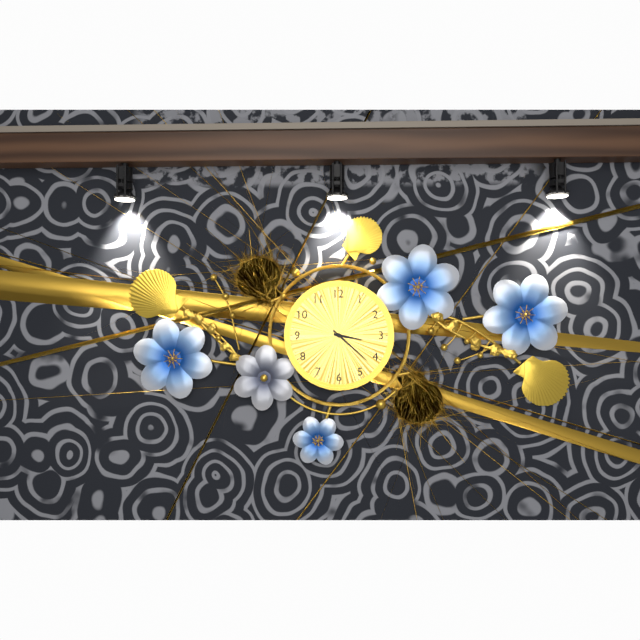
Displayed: **3:22**
